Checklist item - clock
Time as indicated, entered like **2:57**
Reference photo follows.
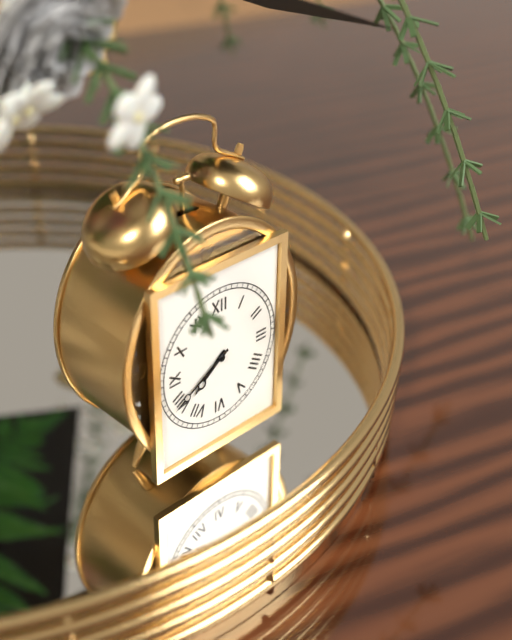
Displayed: **7:40**
